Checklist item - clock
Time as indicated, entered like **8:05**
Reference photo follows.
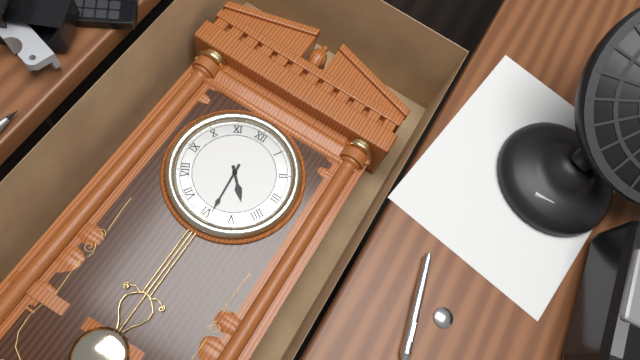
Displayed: **4:29**
